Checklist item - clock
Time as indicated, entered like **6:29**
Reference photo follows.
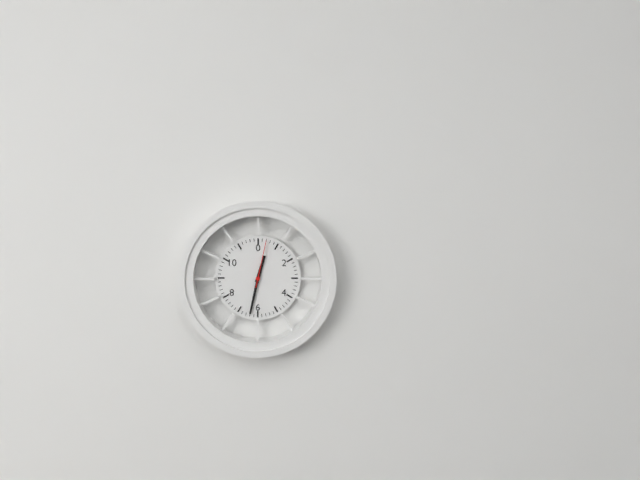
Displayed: **12:32**
